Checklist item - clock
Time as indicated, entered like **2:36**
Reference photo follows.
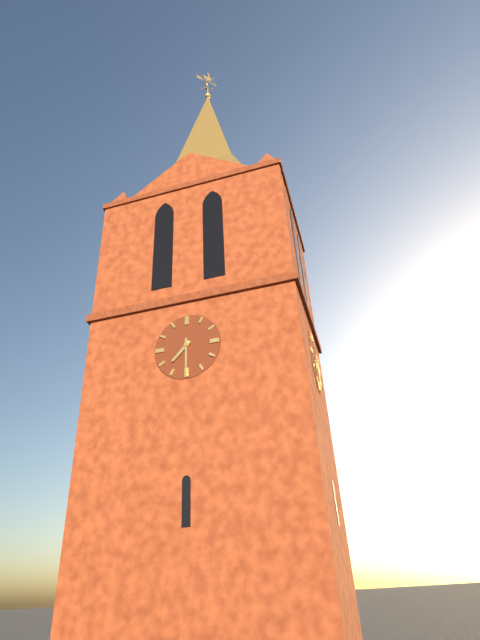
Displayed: **7:30**
